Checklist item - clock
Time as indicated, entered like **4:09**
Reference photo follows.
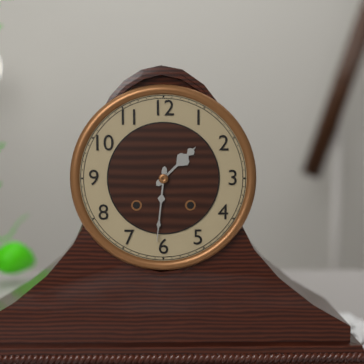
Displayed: **1:31**
